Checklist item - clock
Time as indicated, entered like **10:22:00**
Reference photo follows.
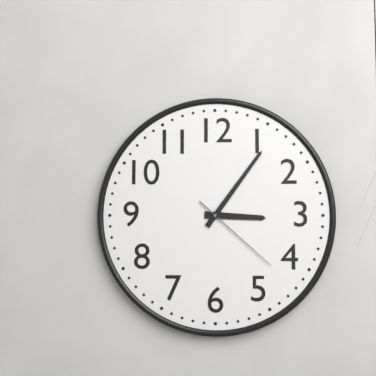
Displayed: **3:06:22**
